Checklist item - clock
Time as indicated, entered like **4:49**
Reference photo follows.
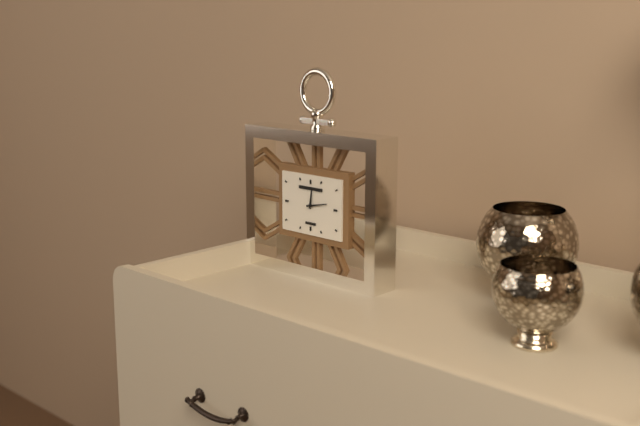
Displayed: **12:13**
